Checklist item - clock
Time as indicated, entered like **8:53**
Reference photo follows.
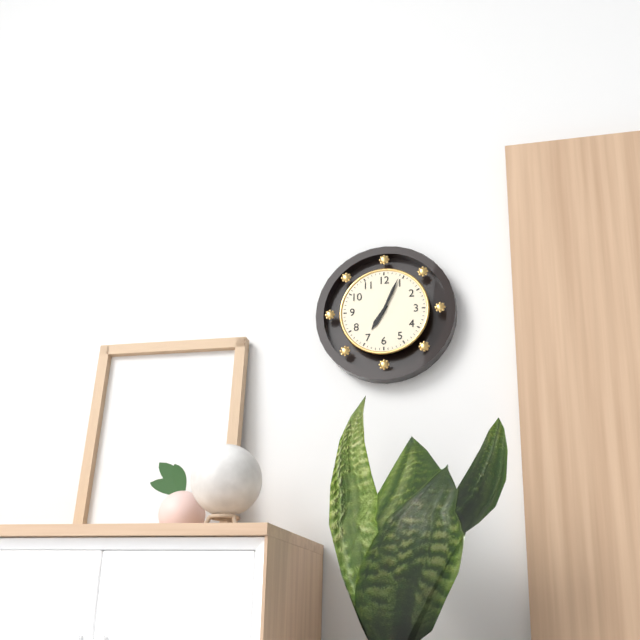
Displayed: **7:04**
